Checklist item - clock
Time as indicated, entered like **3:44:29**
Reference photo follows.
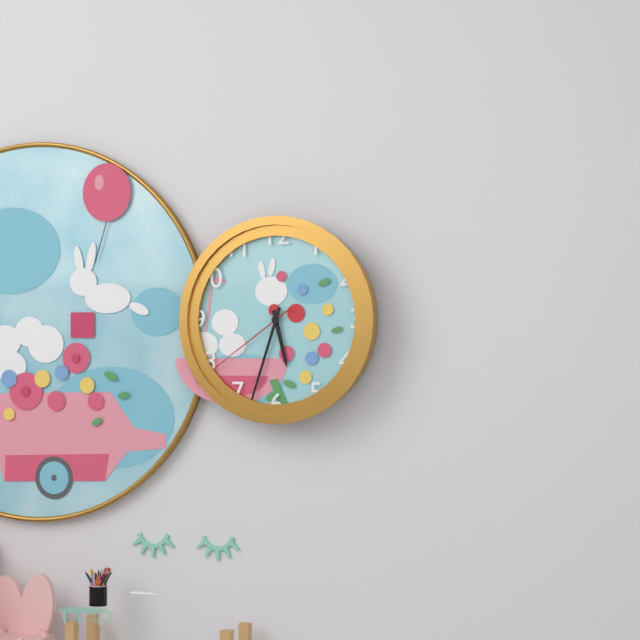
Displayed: **5:33:39**
